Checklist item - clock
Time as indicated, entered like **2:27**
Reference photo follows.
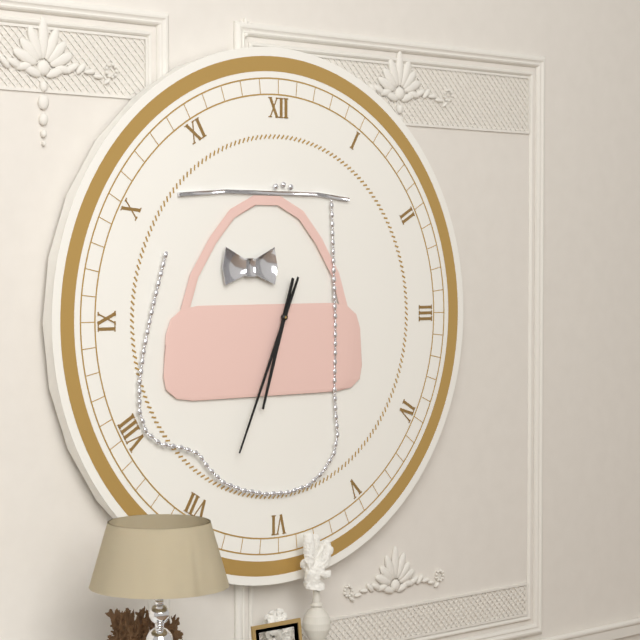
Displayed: **6:34**
